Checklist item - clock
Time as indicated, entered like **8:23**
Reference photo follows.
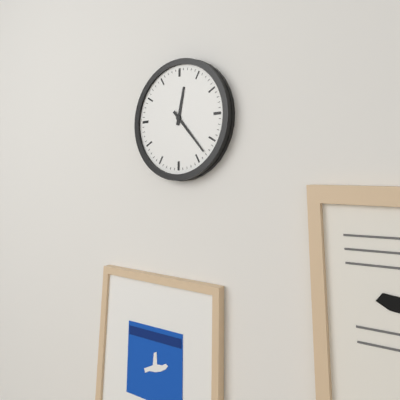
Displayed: **12:23**
